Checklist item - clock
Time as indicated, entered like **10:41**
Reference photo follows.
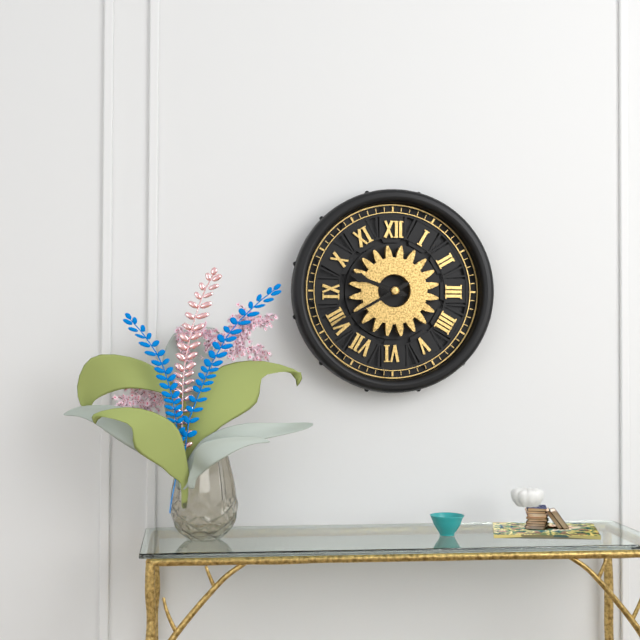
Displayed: **9:40**
